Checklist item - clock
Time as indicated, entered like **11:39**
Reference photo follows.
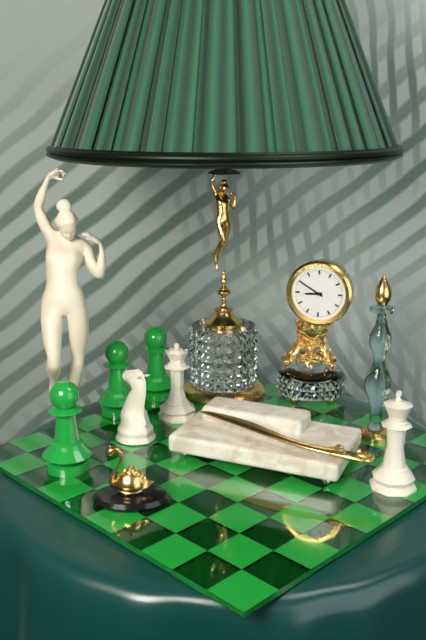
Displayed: **8:50**
